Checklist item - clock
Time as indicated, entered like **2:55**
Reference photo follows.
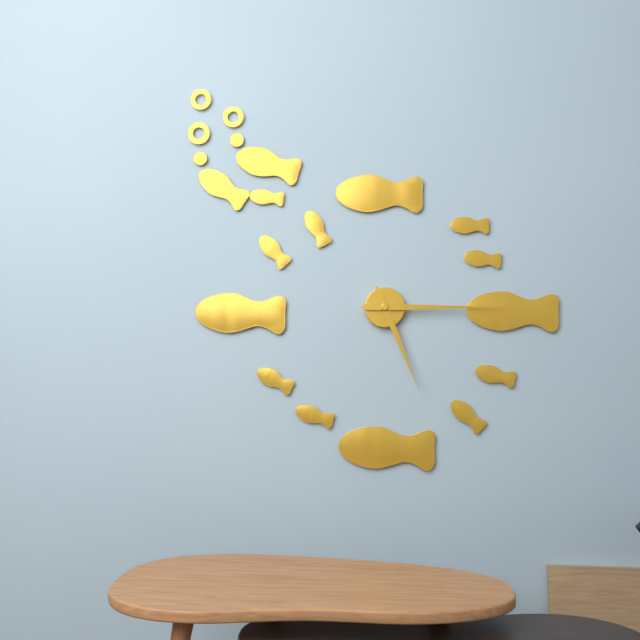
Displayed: **5:15**
